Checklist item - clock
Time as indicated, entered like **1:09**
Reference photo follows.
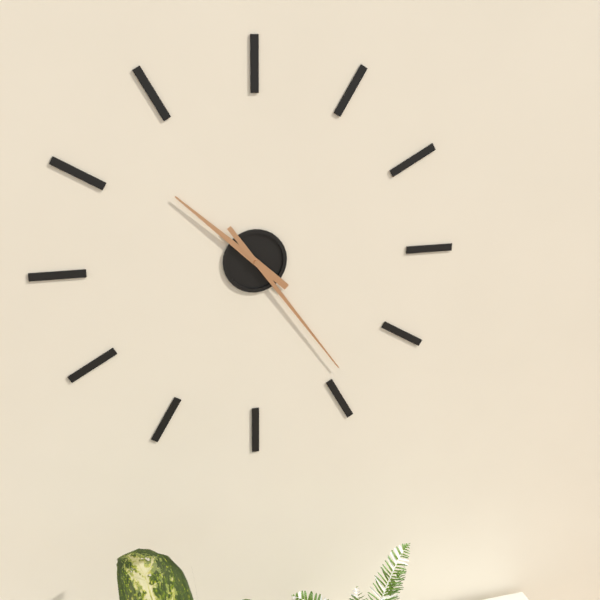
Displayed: **10:24**
